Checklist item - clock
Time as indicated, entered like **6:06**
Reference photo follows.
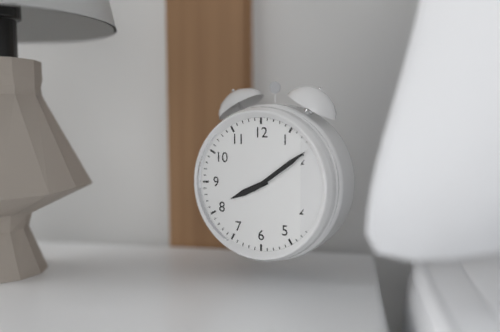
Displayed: **8:09**
